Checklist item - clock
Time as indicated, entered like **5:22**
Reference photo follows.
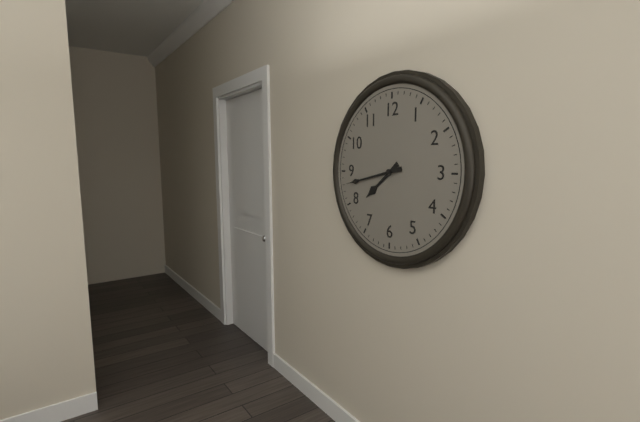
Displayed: **7:43**
